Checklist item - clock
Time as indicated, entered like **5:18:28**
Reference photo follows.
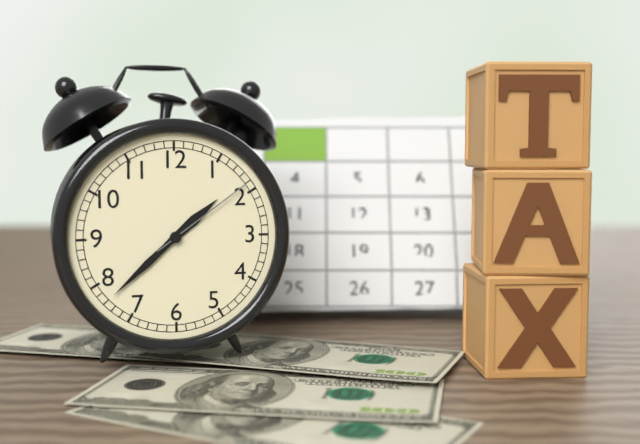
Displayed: **1:38:09**
